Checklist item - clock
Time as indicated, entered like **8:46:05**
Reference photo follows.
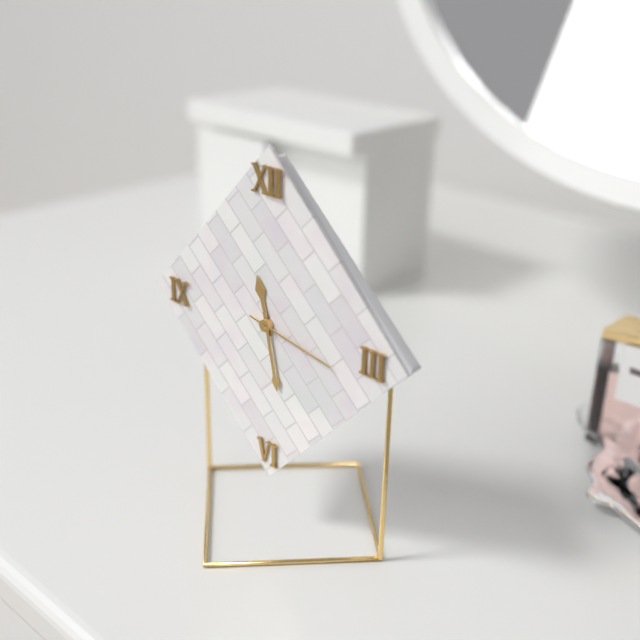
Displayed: **11:28:17**
